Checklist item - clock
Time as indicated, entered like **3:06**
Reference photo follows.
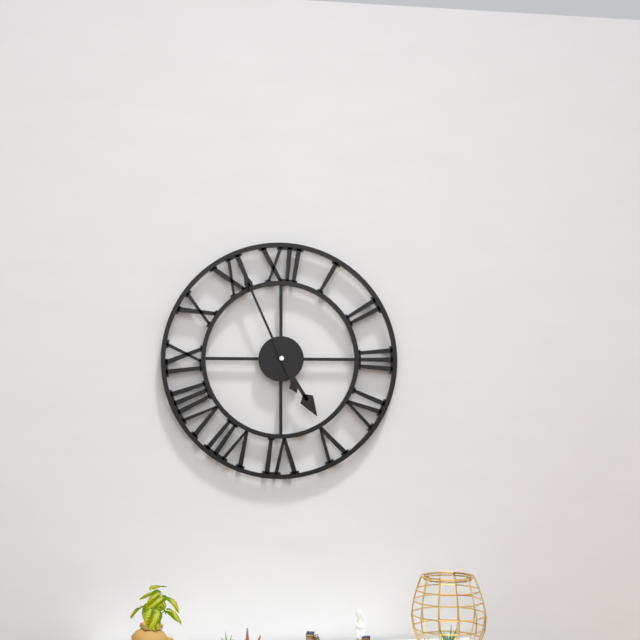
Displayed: **4:56**
